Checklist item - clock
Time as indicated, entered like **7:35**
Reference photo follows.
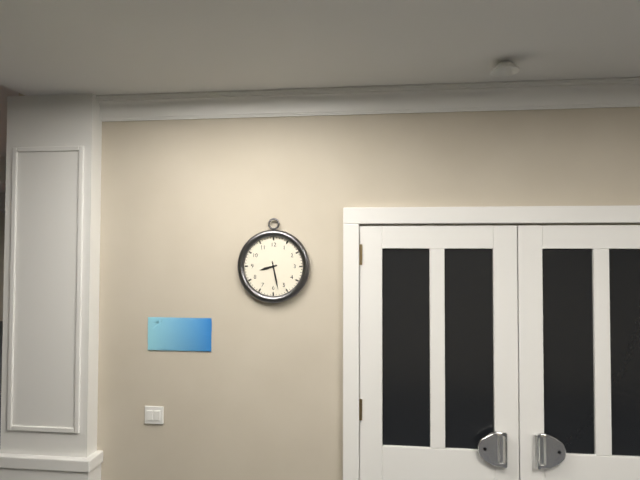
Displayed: **8:28**
